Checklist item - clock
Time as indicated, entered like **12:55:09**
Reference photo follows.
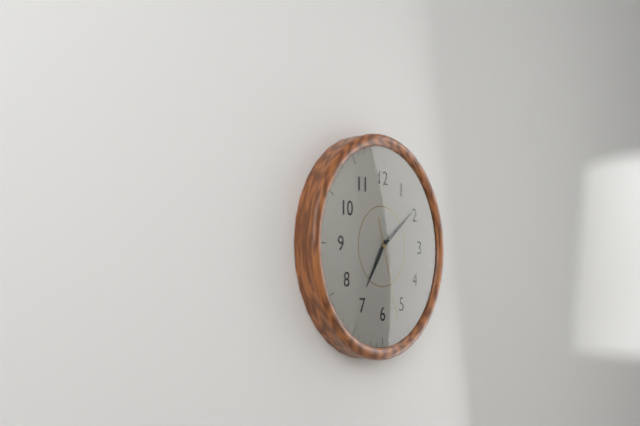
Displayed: **7:09:27**
